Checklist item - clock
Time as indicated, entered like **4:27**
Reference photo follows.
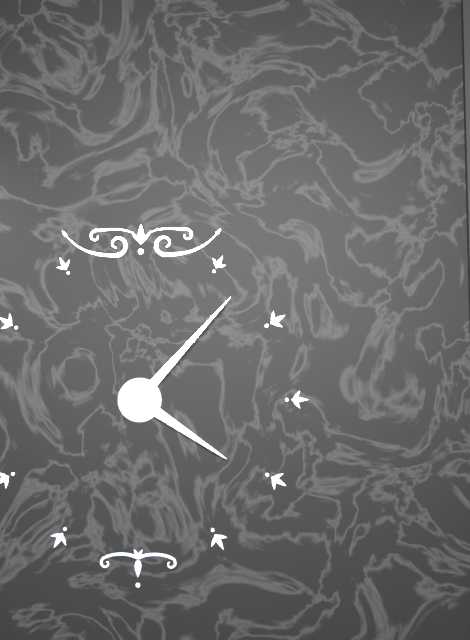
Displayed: **4:07**
